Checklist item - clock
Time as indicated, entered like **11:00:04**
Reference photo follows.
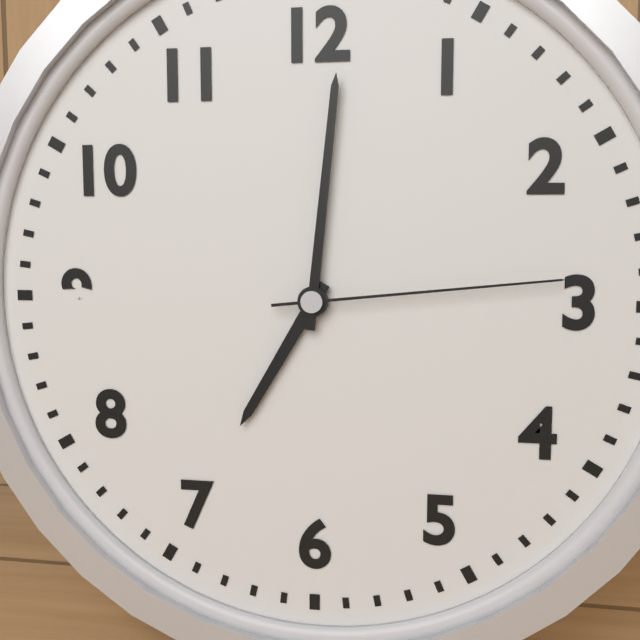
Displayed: **7:01:14**
